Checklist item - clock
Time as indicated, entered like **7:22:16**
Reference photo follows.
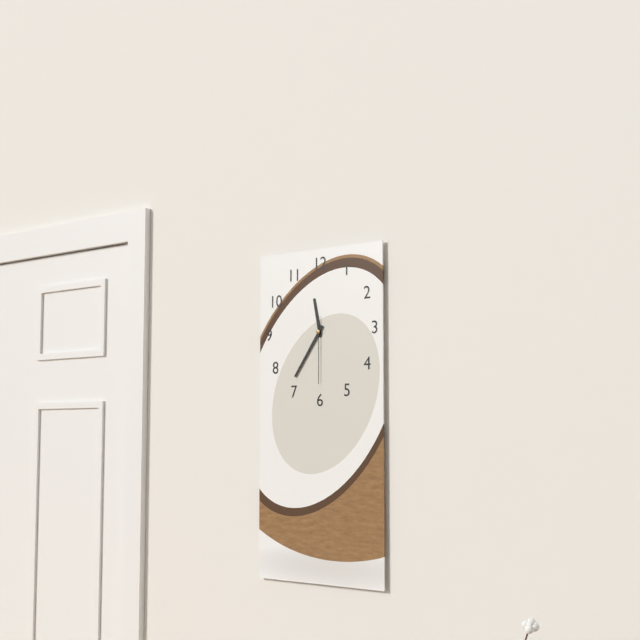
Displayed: **11:36:30**
